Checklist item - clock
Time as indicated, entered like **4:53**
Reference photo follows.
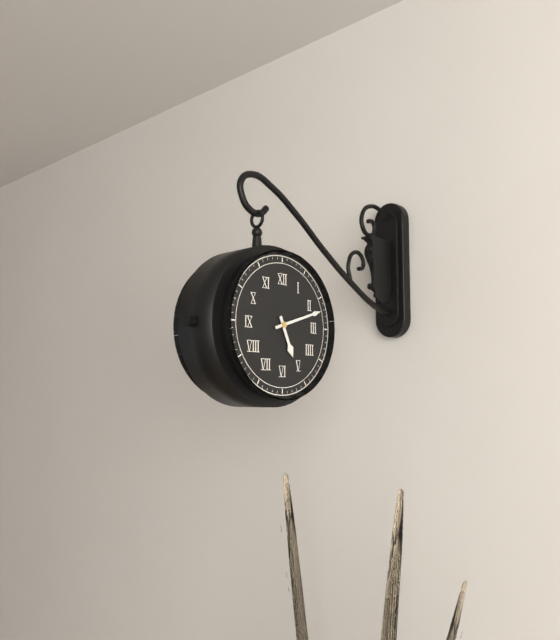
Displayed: **5:12**
